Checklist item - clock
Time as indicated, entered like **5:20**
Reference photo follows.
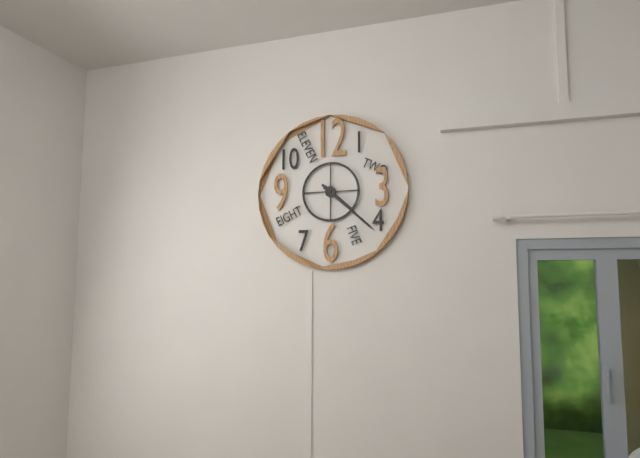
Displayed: **4:22**
